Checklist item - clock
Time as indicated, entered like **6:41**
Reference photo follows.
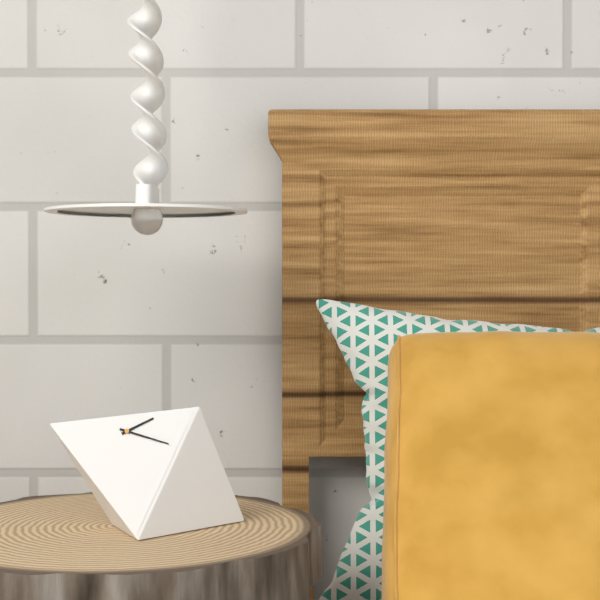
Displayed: **2:19**
